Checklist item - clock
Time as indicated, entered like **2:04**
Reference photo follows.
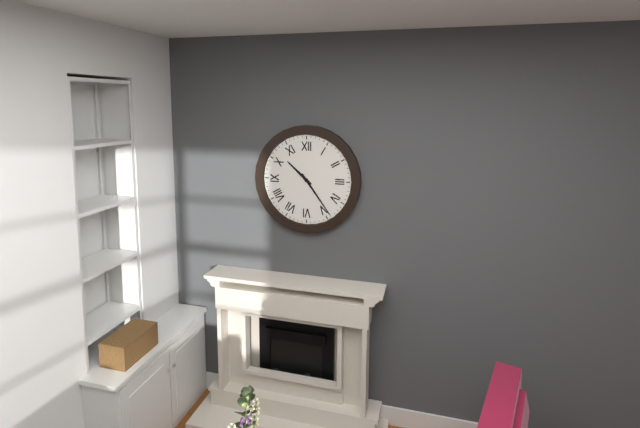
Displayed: **10:24**
